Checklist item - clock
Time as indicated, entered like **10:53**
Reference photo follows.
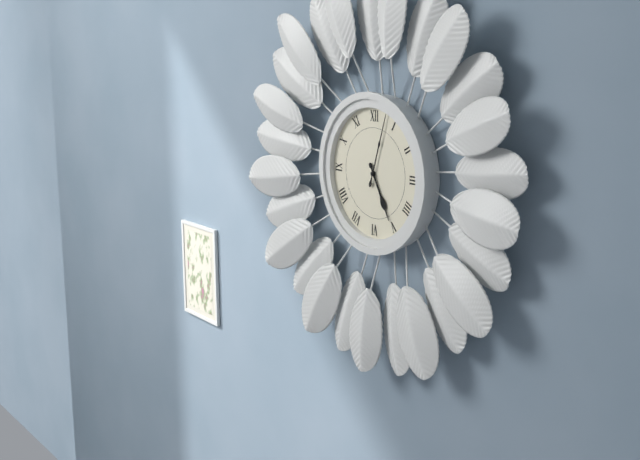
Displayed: **5:03**
